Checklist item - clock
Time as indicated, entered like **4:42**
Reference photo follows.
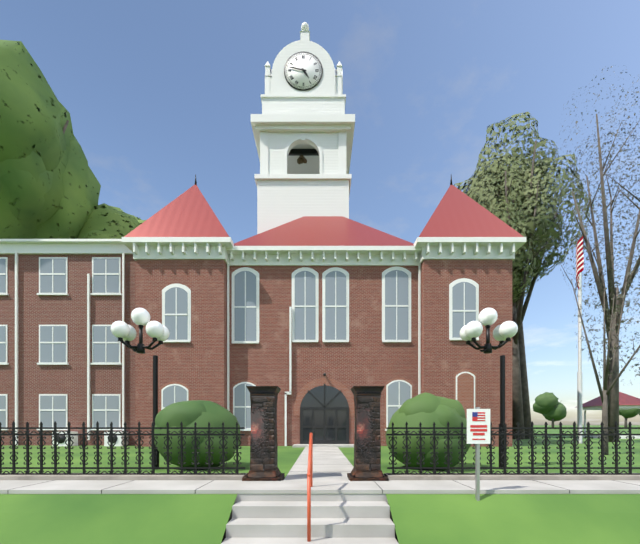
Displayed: **4:47**
